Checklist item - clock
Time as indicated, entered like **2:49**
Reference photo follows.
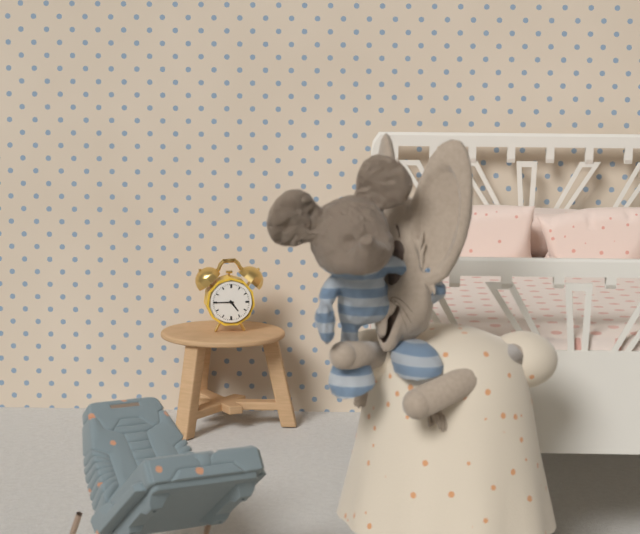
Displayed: **4:45**
